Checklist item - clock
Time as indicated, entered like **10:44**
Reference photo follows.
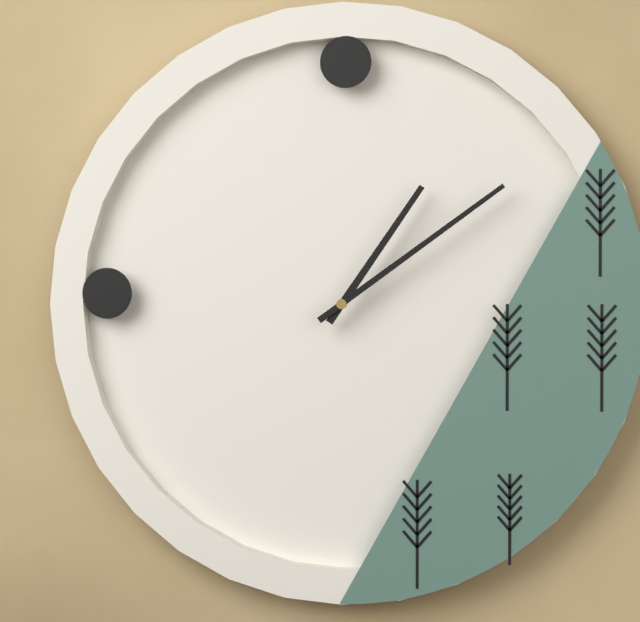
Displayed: **1:09**
